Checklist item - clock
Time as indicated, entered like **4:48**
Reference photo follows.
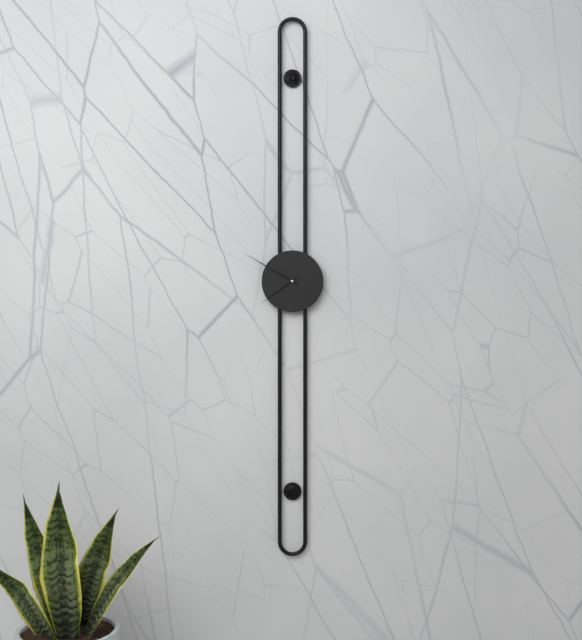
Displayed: **7:50**
